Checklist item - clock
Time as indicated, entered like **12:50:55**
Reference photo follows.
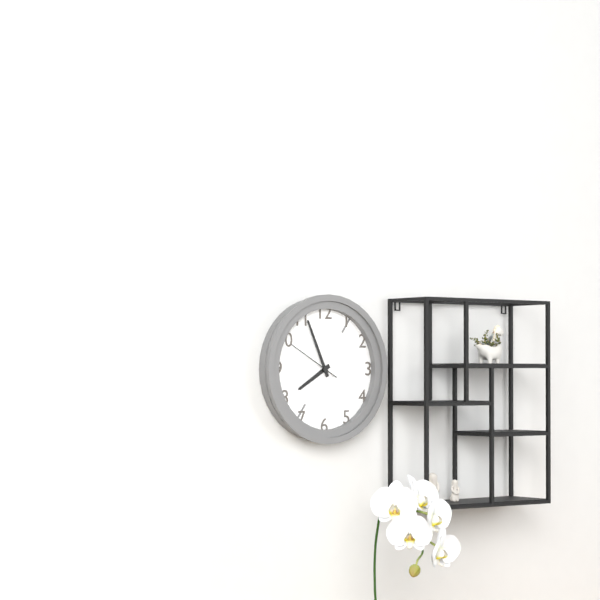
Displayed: **7:56:50**
